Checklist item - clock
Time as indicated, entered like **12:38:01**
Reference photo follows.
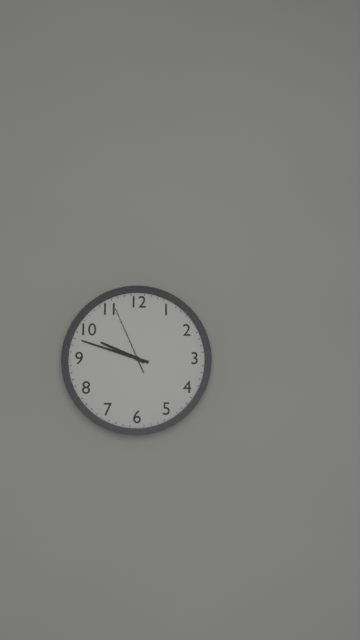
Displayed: **9:48:56**
